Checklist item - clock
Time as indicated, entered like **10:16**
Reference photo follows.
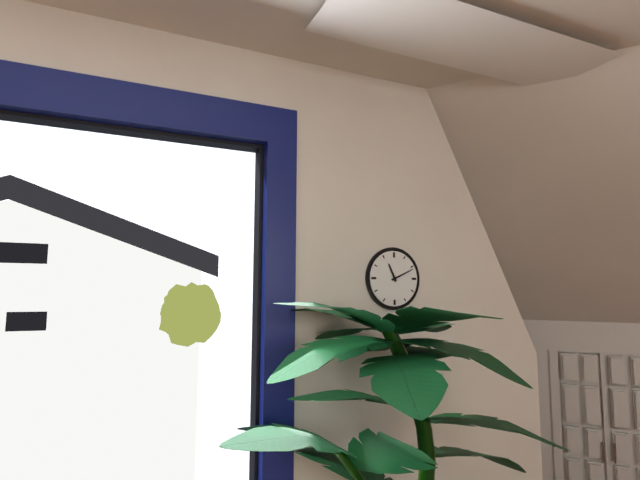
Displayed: **11:11**
